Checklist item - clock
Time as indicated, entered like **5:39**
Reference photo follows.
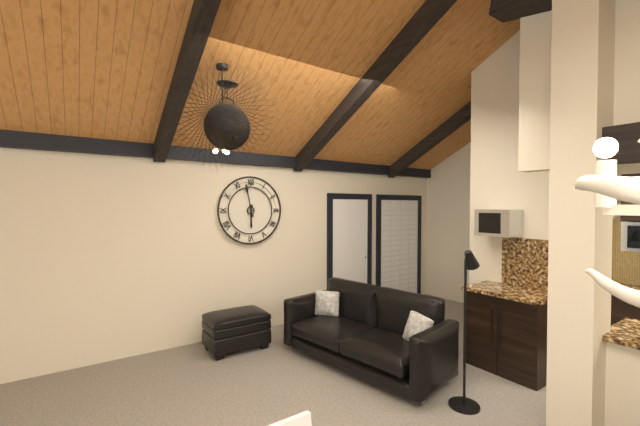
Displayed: **5:58**
